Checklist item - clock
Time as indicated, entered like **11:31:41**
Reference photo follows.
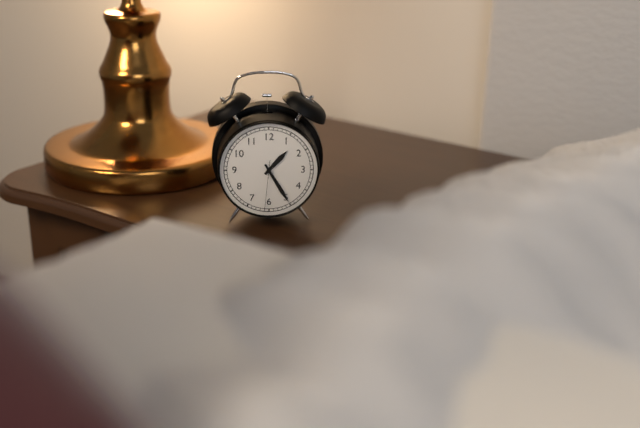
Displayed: **1:25:31**
